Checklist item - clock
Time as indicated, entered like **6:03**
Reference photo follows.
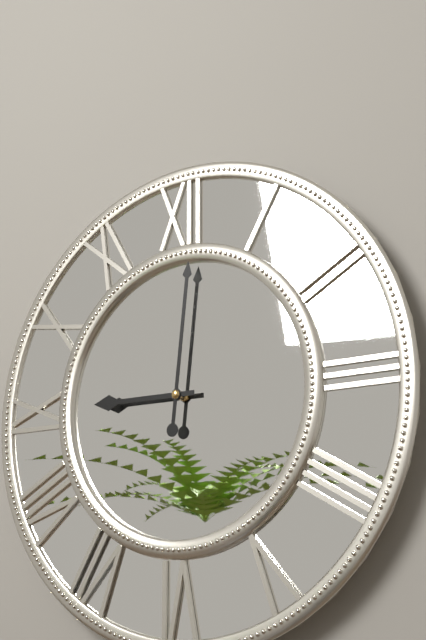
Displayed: **9:01**
